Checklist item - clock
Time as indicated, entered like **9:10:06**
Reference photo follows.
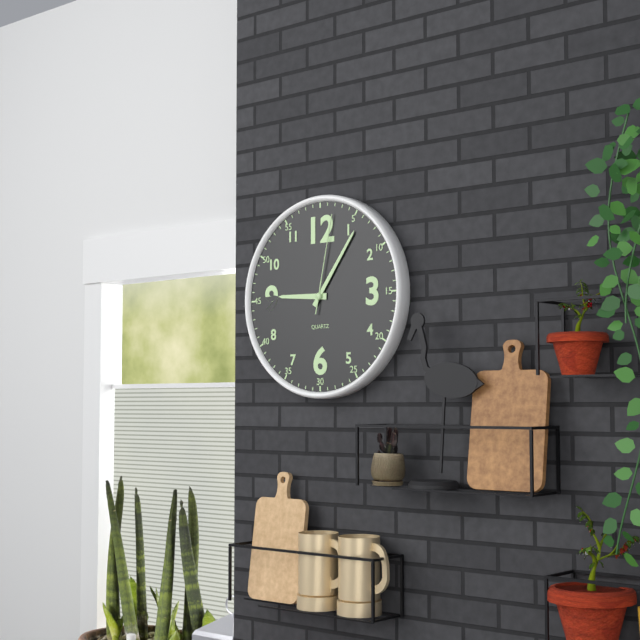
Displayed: **9:06:02**
